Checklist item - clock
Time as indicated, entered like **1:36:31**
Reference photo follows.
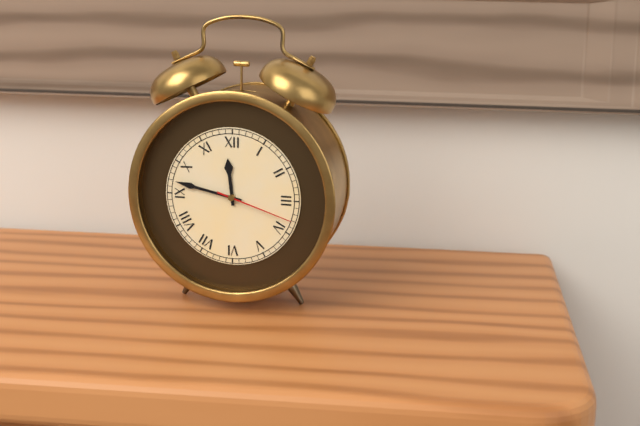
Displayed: **11:47:18**
